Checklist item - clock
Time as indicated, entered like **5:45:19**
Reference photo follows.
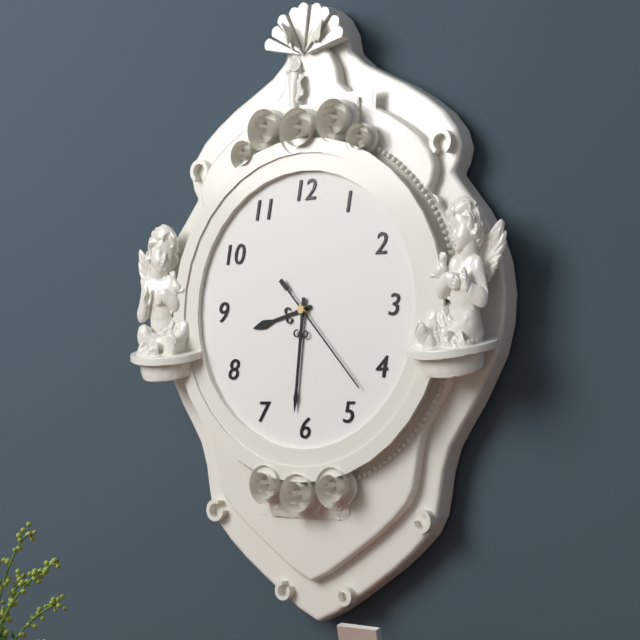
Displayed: **8:31:23**
